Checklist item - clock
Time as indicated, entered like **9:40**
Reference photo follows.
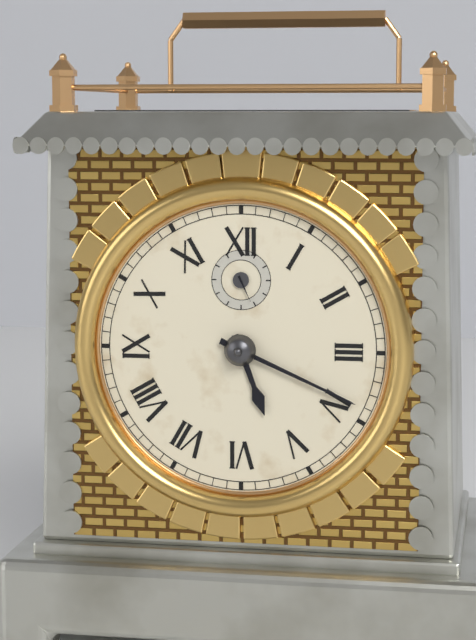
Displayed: **5:19**
